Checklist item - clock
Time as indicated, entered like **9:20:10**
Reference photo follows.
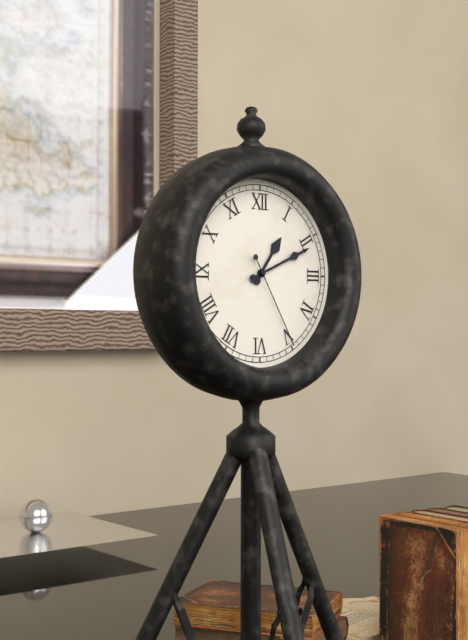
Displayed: **1:11:25**
